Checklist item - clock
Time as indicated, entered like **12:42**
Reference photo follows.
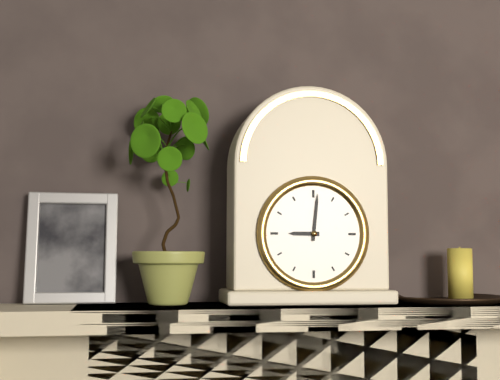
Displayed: **9:01**
